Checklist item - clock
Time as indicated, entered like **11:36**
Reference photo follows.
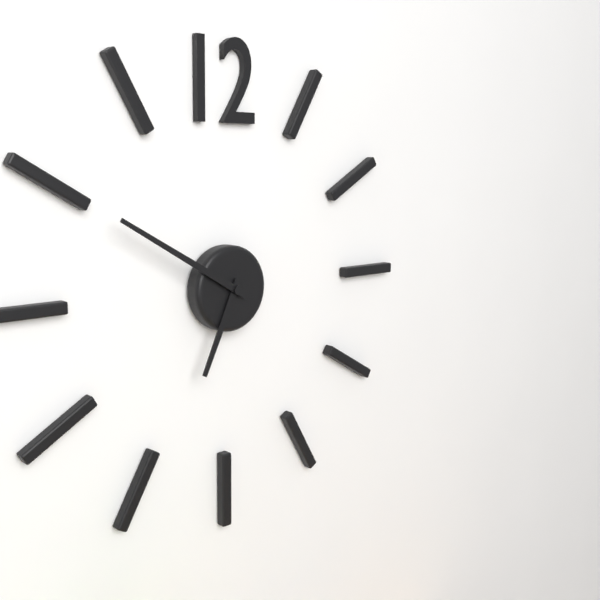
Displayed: **6:50**
